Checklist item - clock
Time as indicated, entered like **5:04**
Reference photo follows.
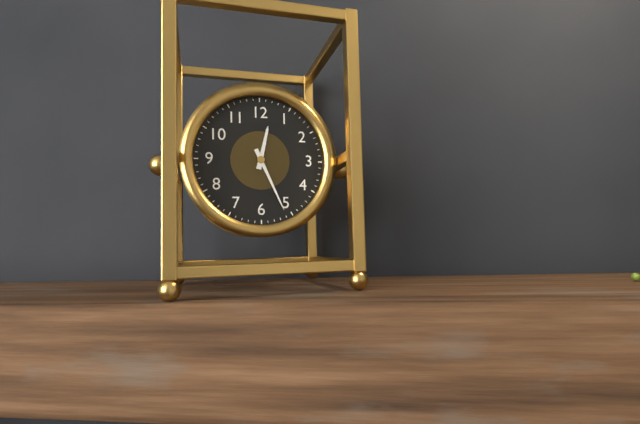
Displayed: **12:26**
